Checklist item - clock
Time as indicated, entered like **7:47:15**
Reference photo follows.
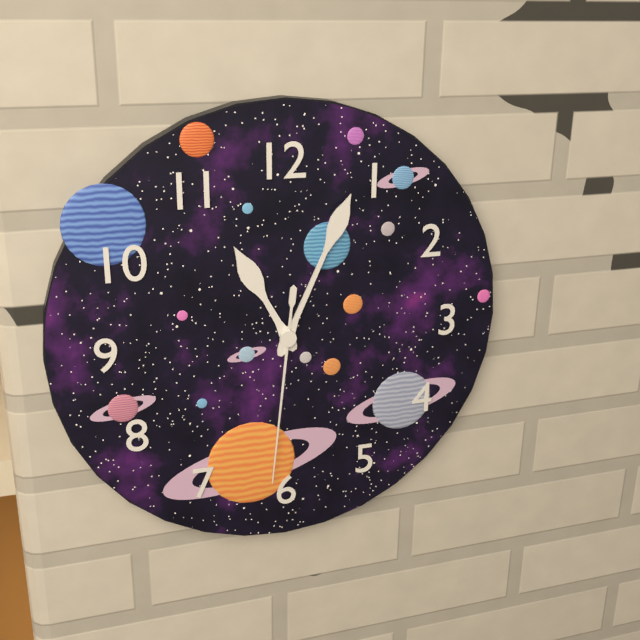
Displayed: **11:04:31**
